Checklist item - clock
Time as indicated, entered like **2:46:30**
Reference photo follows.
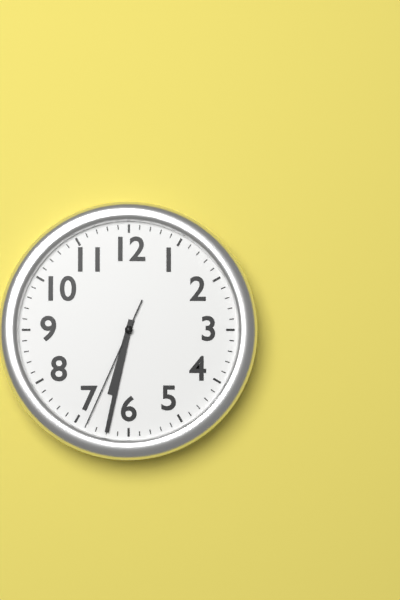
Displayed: **6:32:34**
